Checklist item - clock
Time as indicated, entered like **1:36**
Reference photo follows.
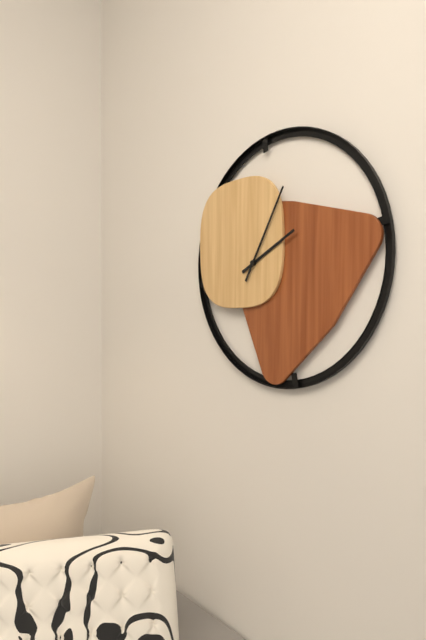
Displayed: **2:05**
